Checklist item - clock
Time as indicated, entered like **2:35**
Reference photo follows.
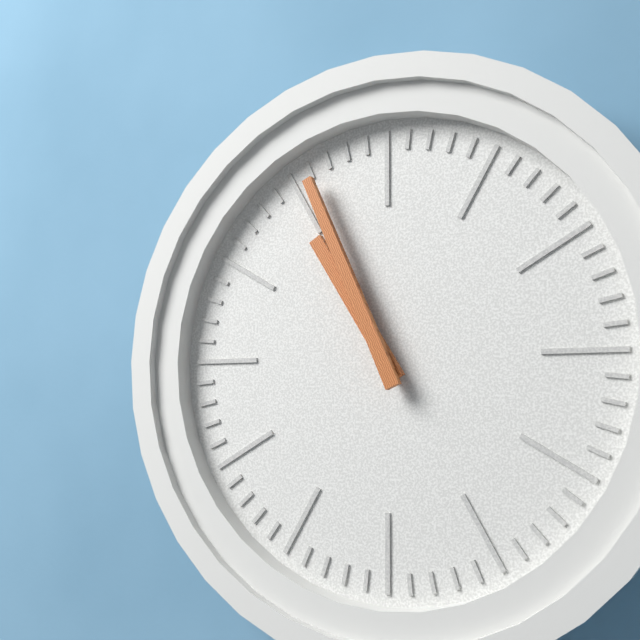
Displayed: **10:56**
